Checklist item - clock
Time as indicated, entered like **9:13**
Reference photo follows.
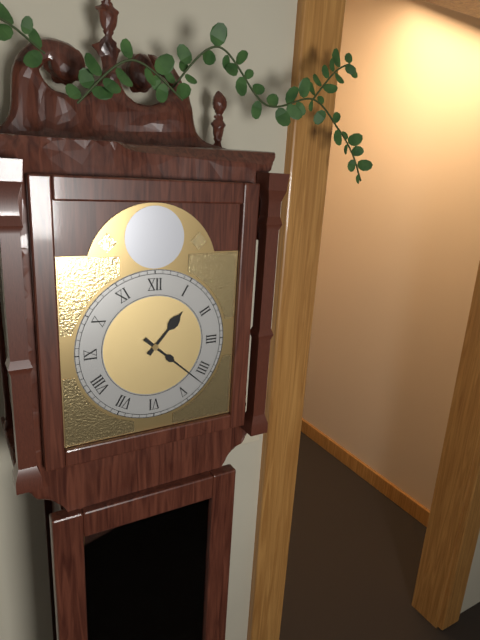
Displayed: **1:22**
